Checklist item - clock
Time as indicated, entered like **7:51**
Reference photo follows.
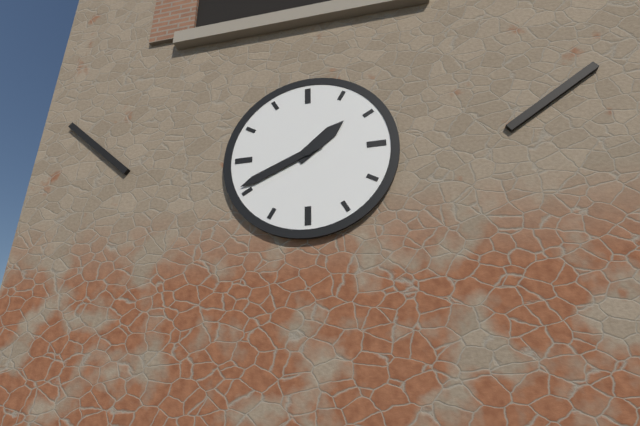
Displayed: **1:41**
